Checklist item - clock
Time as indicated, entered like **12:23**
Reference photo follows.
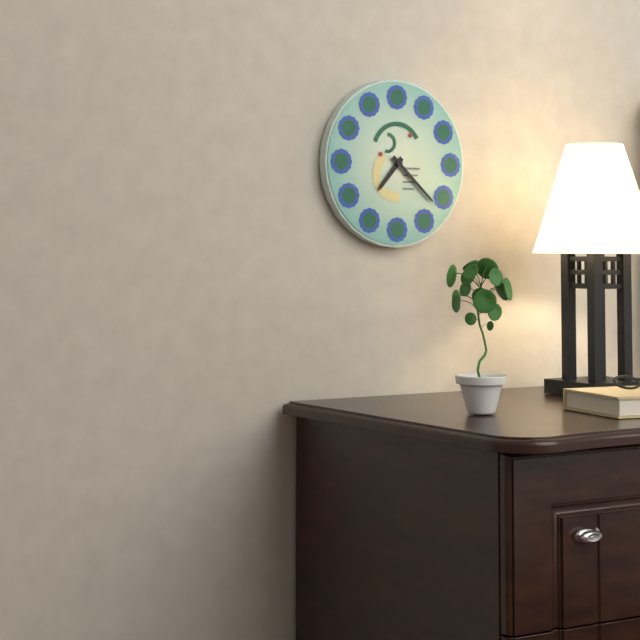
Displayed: **7:22**
